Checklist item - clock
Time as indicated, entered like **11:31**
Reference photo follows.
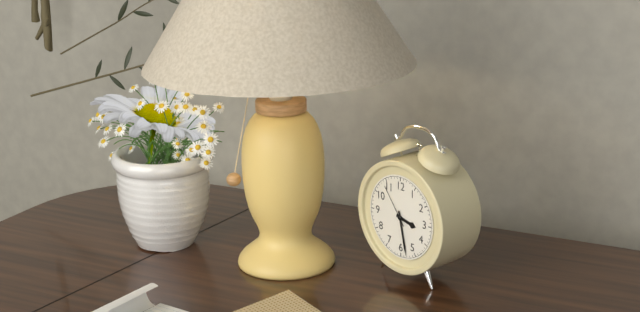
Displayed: **3:28**
